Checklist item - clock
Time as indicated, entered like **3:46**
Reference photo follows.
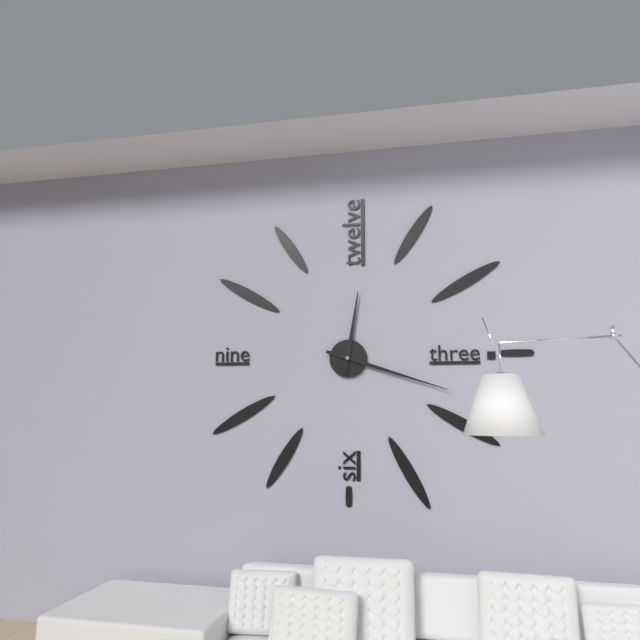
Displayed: **12:18**
